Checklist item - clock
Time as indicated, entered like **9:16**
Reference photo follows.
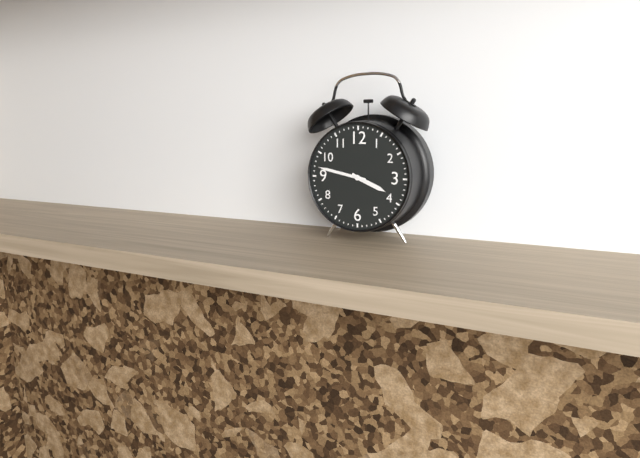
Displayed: **3:47**
